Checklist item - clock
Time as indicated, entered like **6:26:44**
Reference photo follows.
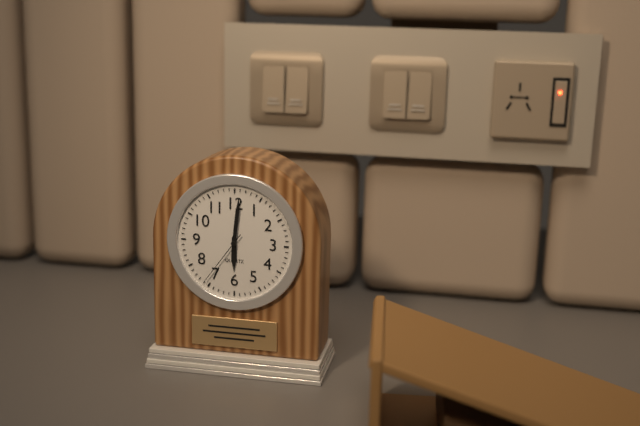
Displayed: **6:01:36**
